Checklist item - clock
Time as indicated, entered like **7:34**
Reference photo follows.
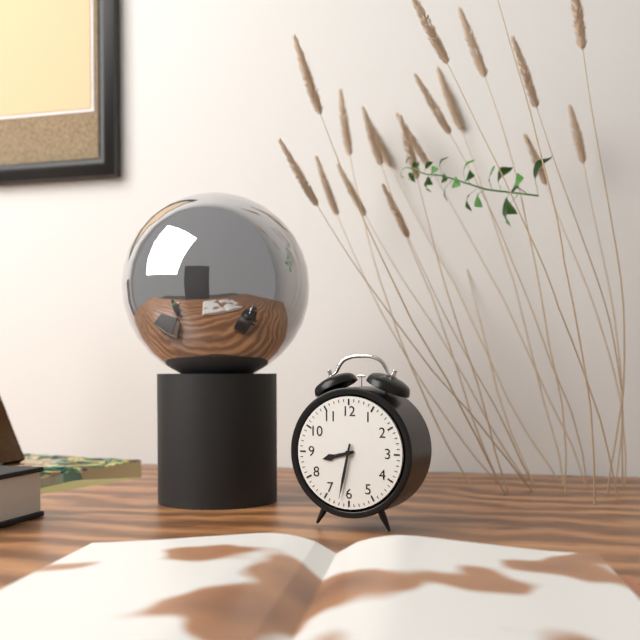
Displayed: **8:32**
